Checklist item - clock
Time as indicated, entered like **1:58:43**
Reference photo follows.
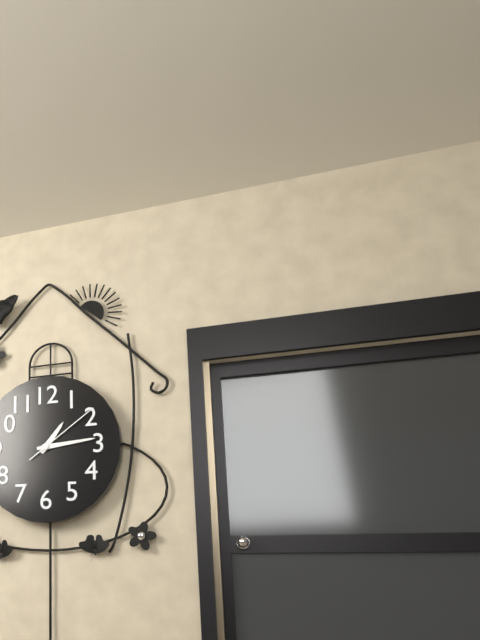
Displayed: **1:14:09**
